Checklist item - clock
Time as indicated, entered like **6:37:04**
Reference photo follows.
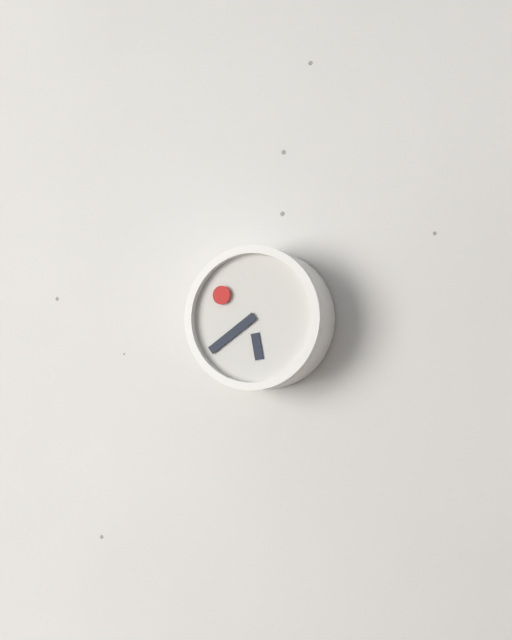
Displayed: **5:39:51**
